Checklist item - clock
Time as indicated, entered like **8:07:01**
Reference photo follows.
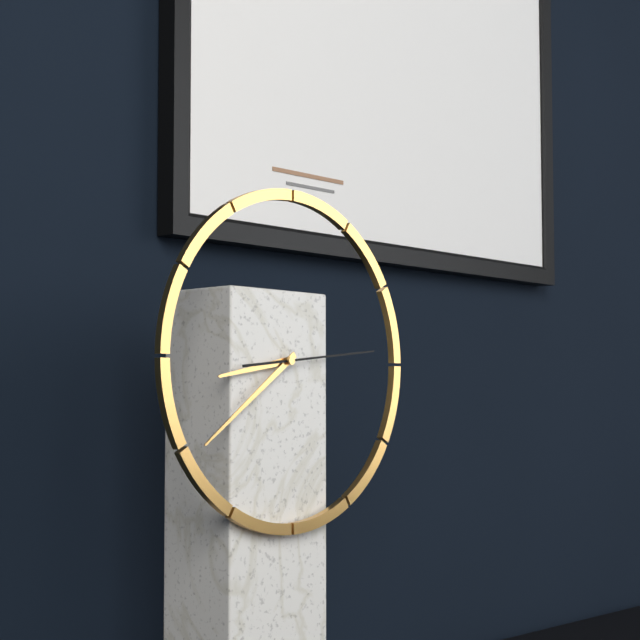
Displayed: **8:39:14**
